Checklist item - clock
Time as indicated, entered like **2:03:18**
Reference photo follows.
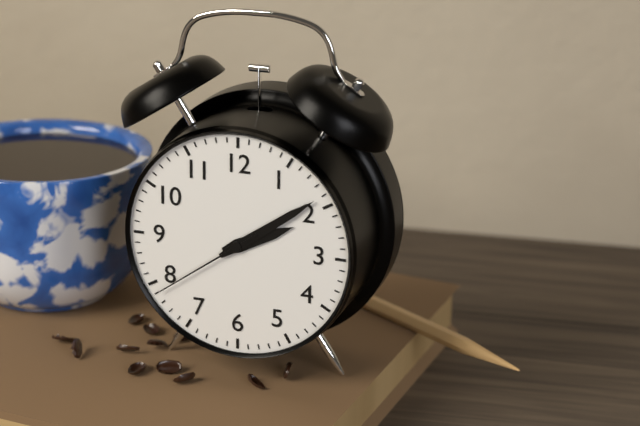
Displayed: **2:09:39**
